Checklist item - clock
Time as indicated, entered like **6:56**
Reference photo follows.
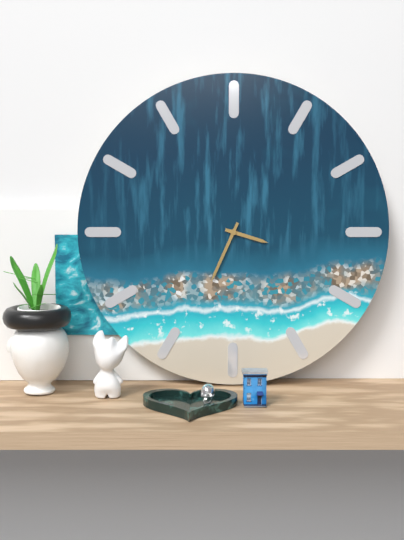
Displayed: **3:34**
